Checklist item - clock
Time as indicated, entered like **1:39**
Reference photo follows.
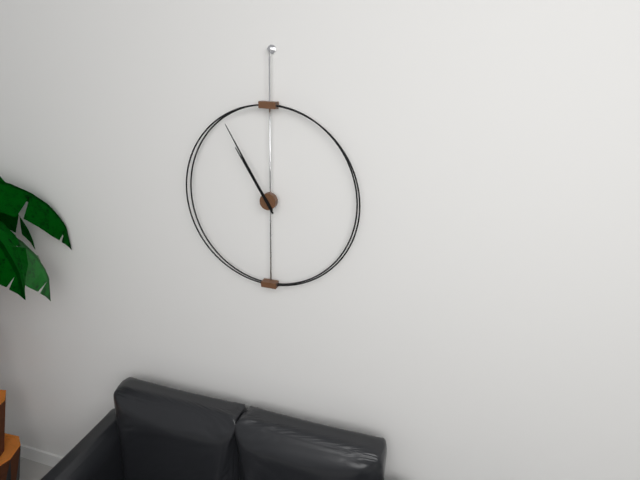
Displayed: **10:55**
